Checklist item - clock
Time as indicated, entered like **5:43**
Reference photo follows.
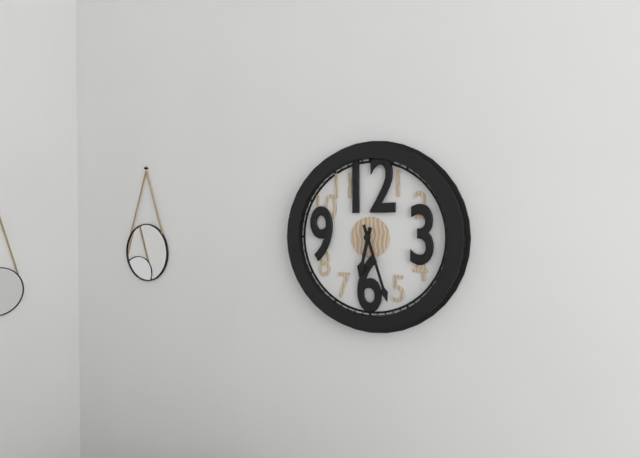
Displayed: **6:27**
